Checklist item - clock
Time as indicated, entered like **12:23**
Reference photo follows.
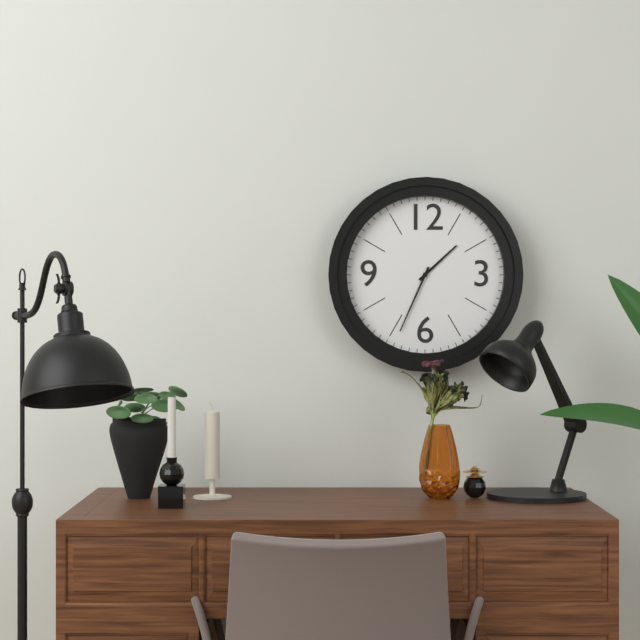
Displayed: **1:34**
